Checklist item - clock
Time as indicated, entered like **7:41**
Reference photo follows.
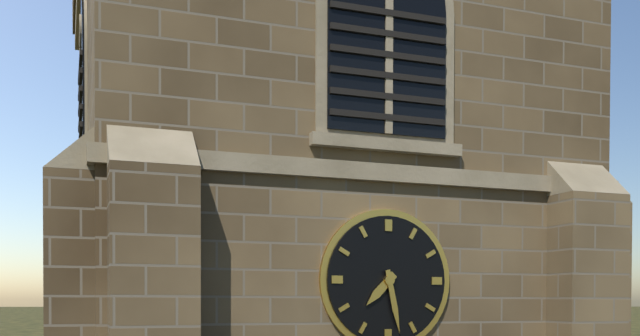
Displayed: **7:28**
